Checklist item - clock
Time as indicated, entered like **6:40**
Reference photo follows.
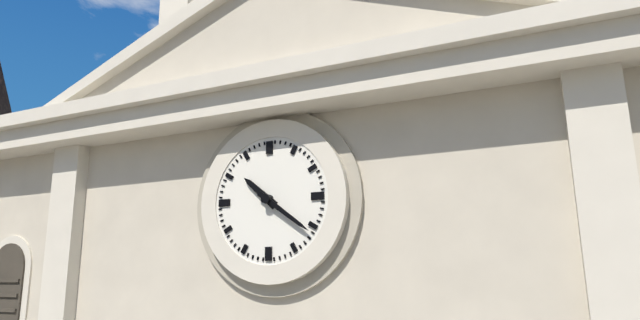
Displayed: **10:21**
